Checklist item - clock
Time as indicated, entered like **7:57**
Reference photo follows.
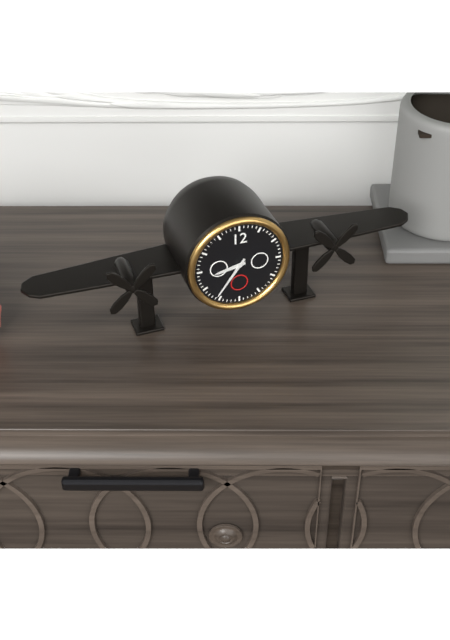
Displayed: **8:36**
